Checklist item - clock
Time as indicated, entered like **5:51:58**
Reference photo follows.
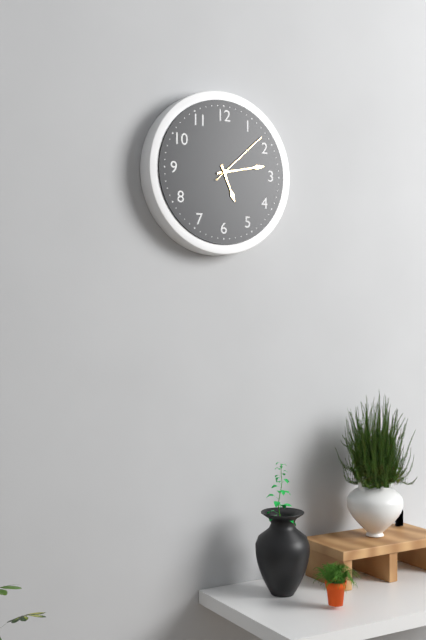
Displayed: **5:13:08**
